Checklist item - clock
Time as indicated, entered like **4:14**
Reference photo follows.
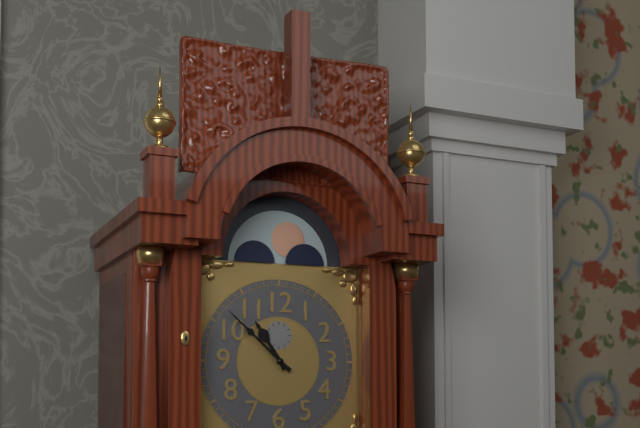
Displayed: **10:52**
